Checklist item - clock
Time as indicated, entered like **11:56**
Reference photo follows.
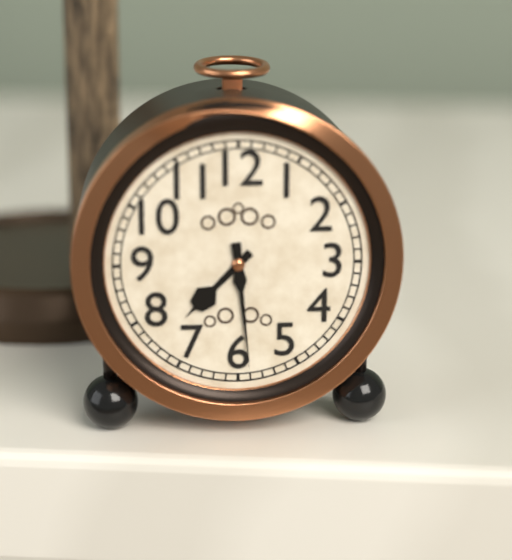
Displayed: **7:29**
